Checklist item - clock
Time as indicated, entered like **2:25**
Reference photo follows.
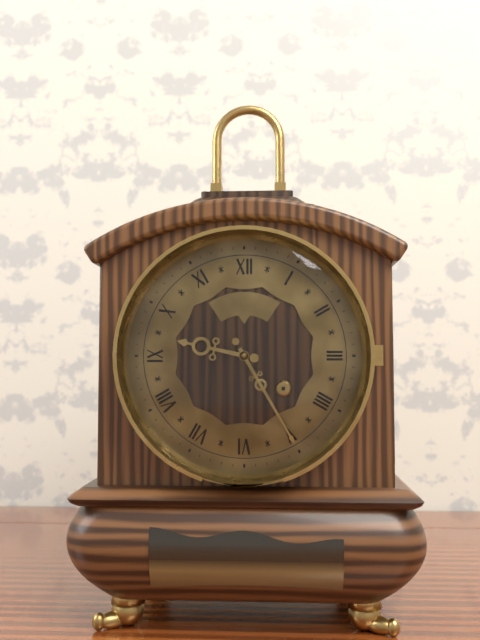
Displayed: **9:25**
